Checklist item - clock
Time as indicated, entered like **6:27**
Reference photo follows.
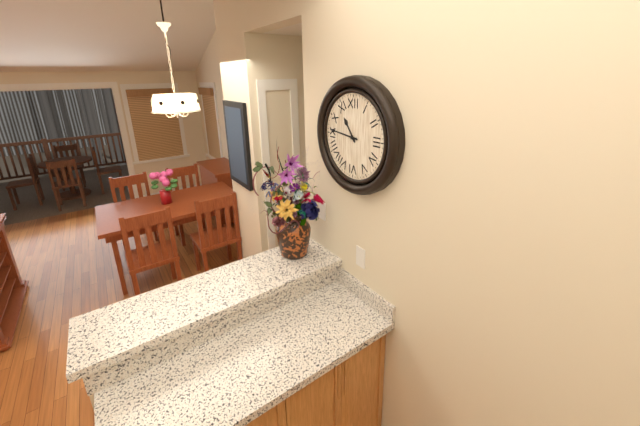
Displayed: **10:46**
